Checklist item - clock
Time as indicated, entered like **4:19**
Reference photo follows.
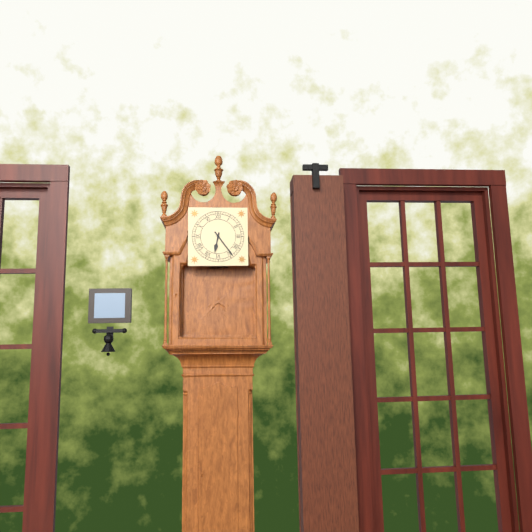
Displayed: **6:24**
